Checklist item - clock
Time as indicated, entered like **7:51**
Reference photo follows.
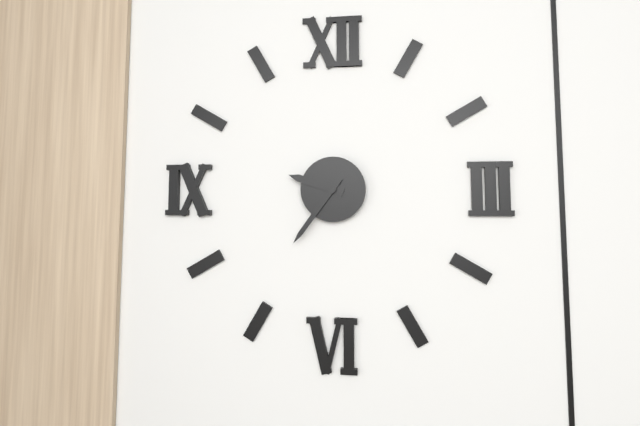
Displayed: **9:36**
